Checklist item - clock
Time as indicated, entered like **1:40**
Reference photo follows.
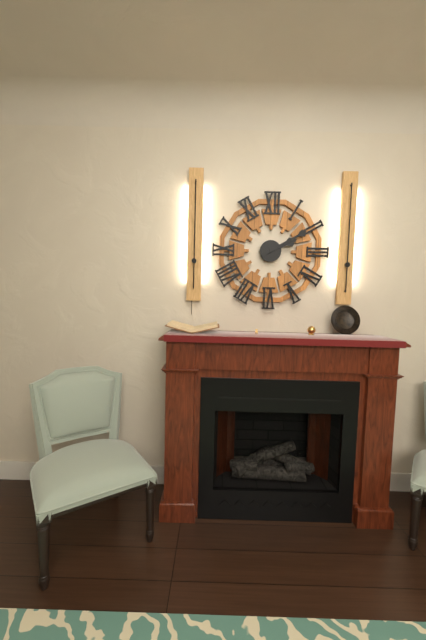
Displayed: **2:10**
